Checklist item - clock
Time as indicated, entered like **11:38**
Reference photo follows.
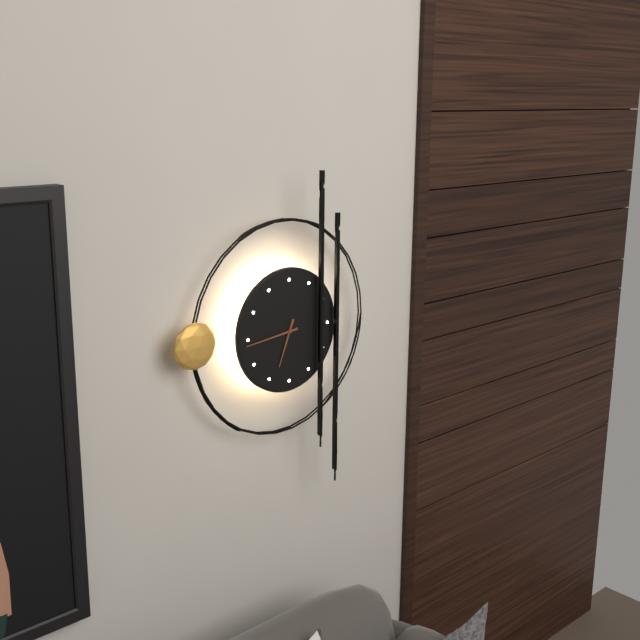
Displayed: **6:44**
